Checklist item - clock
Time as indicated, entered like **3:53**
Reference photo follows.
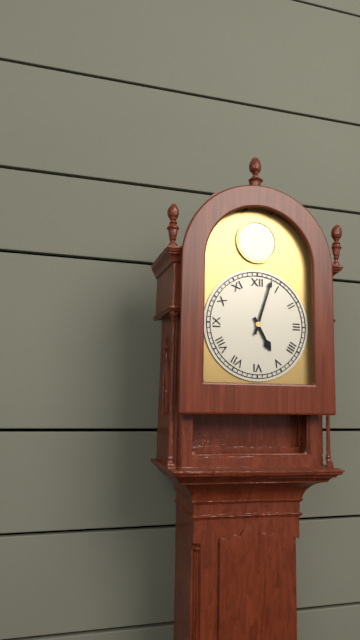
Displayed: **5:03**
